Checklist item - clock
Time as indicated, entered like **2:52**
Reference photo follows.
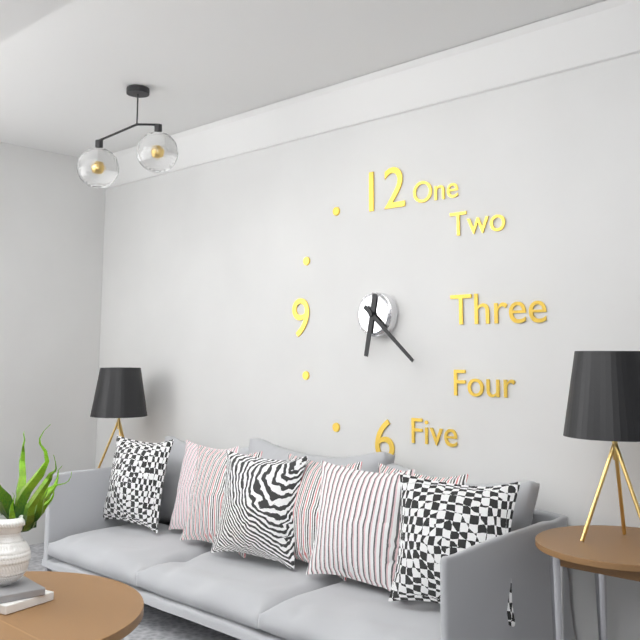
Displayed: **6:22**
